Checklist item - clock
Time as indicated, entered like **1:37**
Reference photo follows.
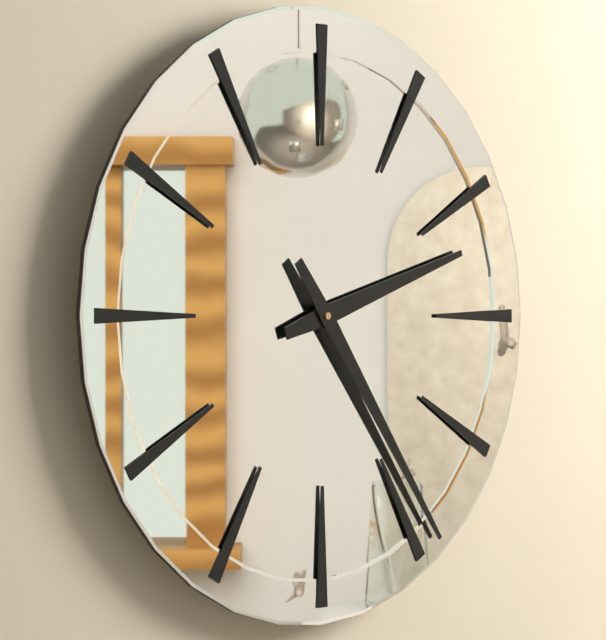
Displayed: **2:24**
